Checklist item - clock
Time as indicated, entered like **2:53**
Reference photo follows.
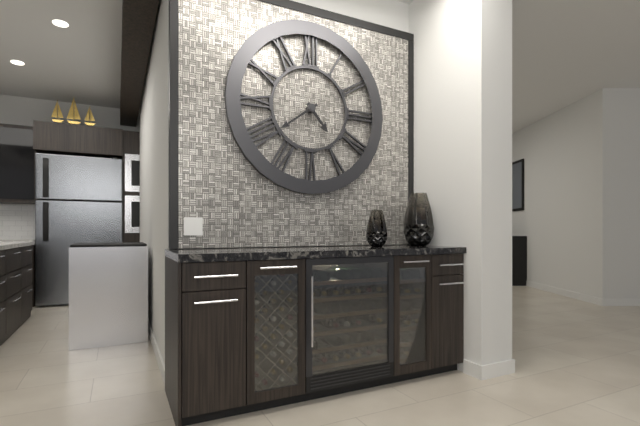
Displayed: **4:39**
